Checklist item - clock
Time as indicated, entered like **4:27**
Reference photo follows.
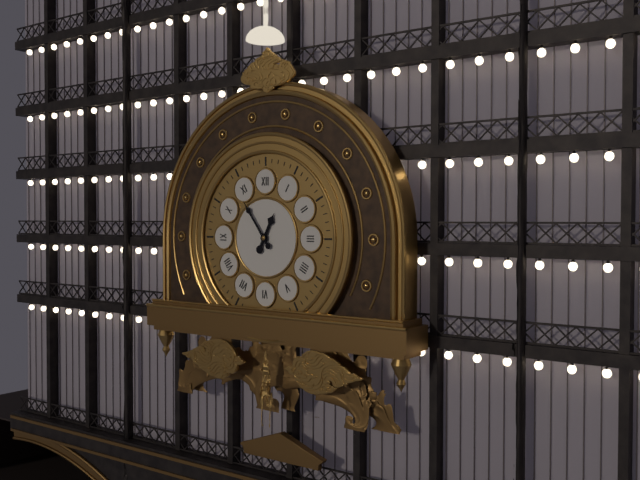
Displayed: **12:54**
